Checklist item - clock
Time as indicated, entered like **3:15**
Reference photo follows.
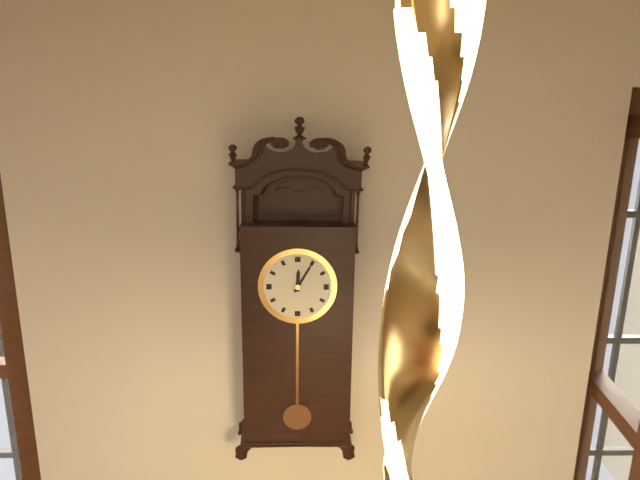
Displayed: **12:05**
